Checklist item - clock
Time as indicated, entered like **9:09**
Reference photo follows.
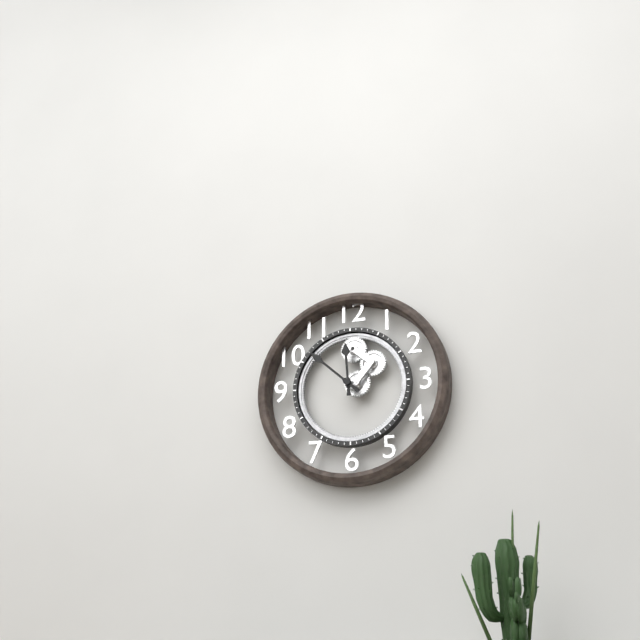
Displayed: **11:52**
